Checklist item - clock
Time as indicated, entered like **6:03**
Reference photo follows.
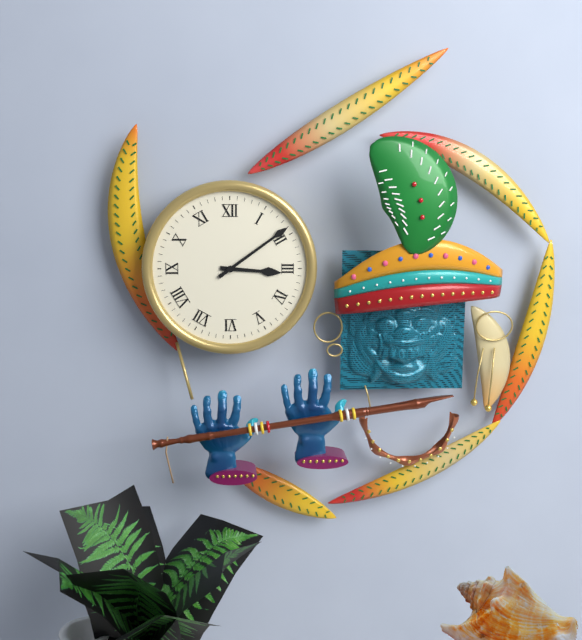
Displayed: **3:09**
